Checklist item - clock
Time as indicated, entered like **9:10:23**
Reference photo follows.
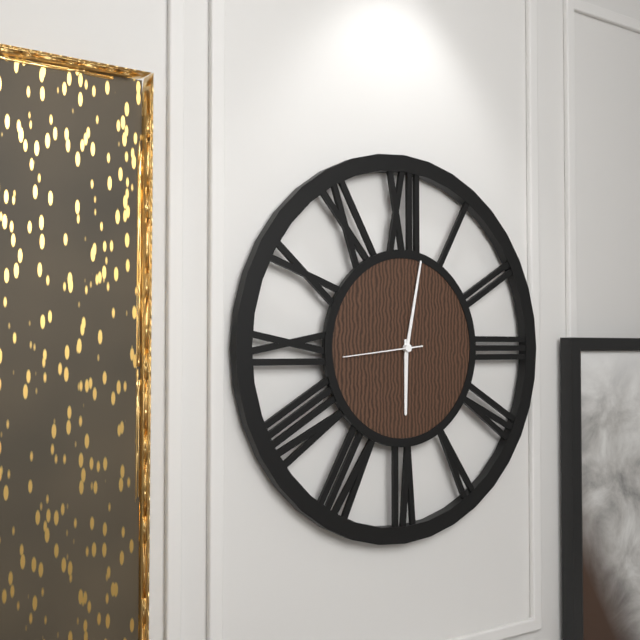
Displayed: **6:02:44**
